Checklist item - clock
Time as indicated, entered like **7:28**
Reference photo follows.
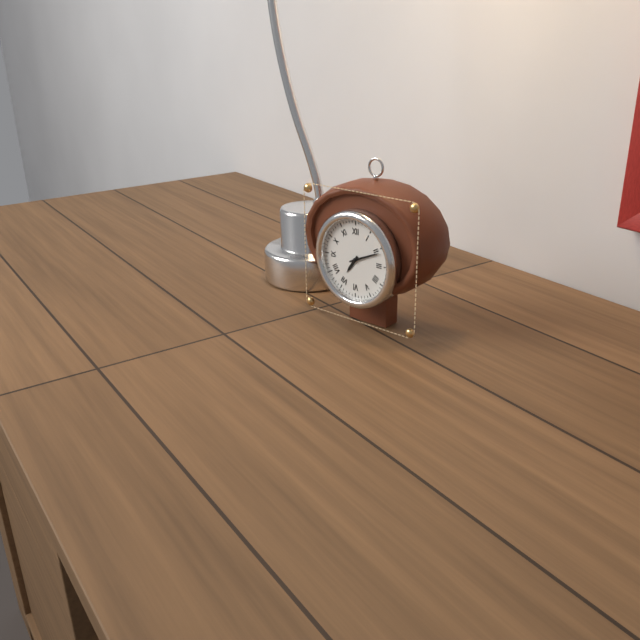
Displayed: **7:11**
